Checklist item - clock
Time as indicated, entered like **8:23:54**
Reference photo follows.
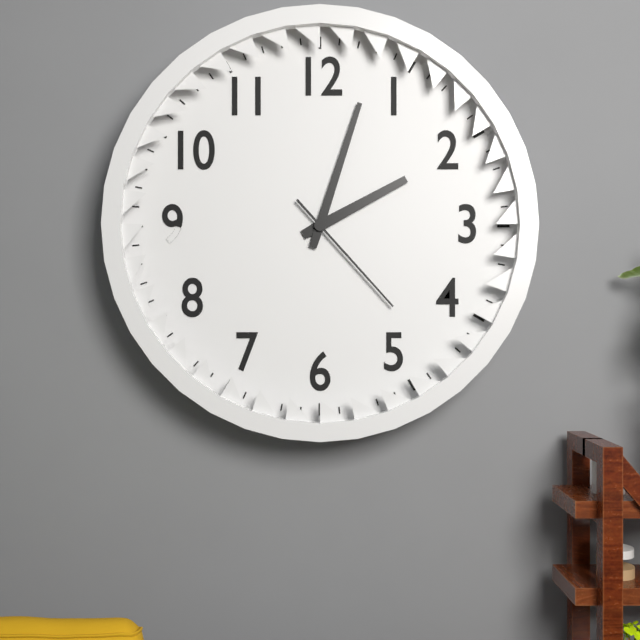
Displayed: **2:03:23**
